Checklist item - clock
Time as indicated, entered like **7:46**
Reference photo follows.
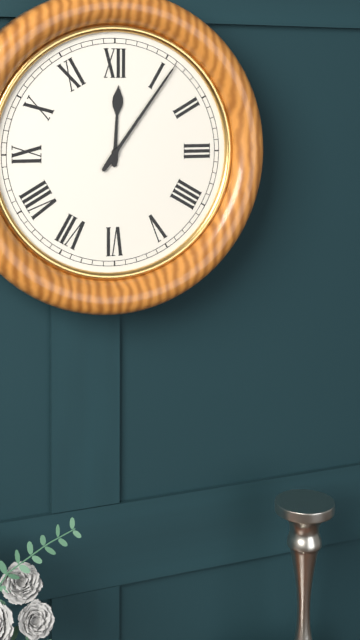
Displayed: **12:06**
